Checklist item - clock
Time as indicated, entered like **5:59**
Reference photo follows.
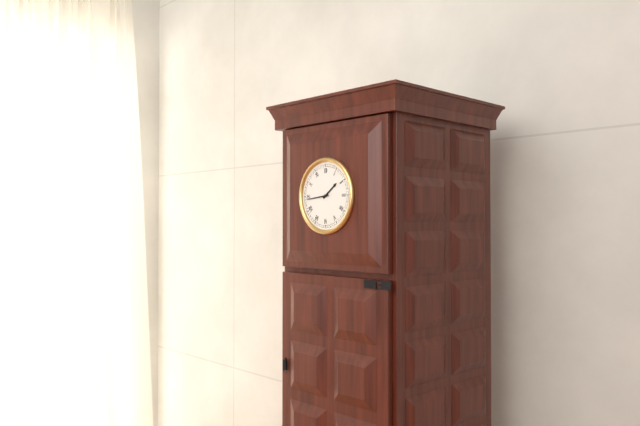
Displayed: **1:44**
